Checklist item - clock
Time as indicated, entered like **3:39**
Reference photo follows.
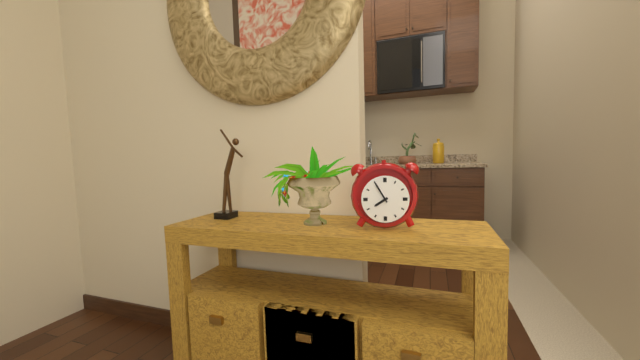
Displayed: **7:55**
